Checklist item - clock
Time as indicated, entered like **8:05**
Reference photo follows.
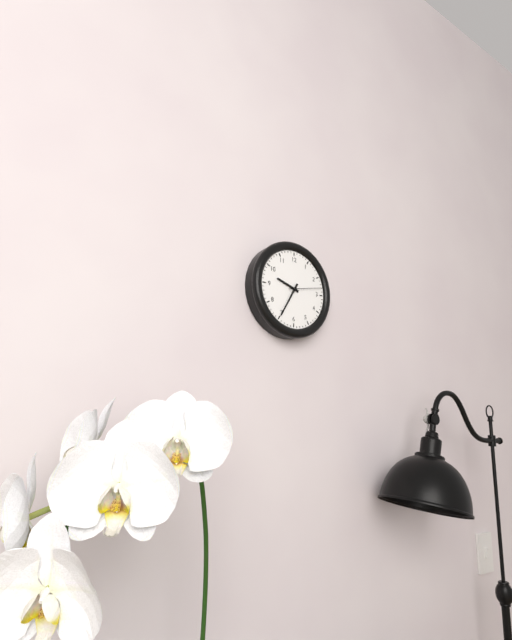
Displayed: **9:35**
